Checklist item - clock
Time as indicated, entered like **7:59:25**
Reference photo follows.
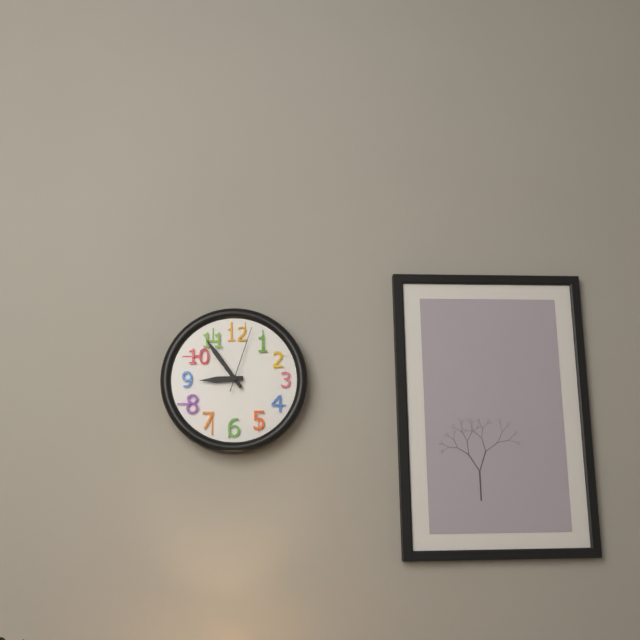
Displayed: **8:54:03**
